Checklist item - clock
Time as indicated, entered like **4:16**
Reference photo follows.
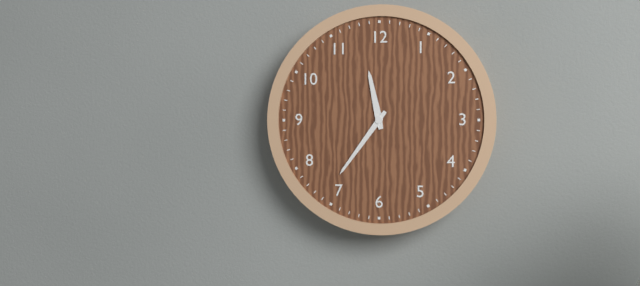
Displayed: **11:36**
